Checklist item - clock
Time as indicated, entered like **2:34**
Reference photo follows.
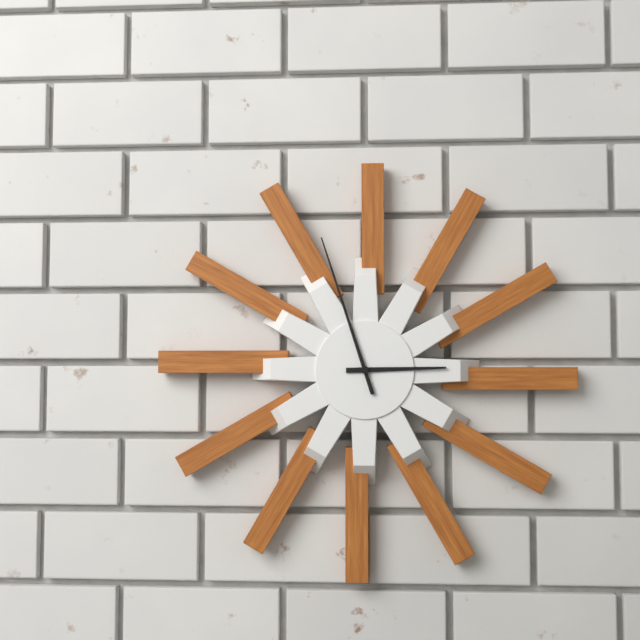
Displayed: **2:57**
